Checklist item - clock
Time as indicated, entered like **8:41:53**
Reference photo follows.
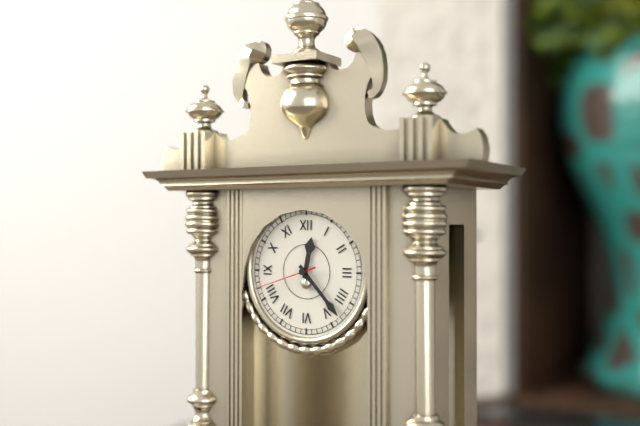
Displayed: **12:23:42**
